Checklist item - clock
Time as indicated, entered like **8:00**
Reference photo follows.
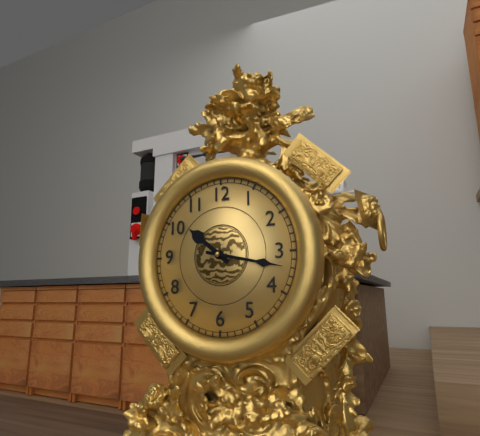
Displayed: **10:17**
